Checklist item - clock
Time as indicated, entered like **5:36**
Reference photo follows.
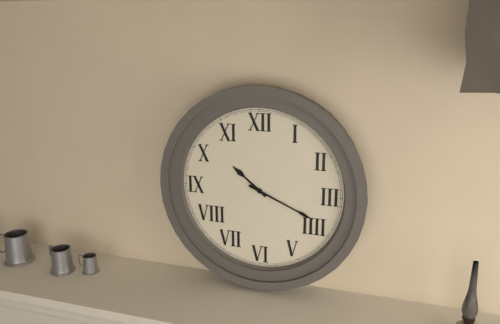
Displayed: **10:19**
